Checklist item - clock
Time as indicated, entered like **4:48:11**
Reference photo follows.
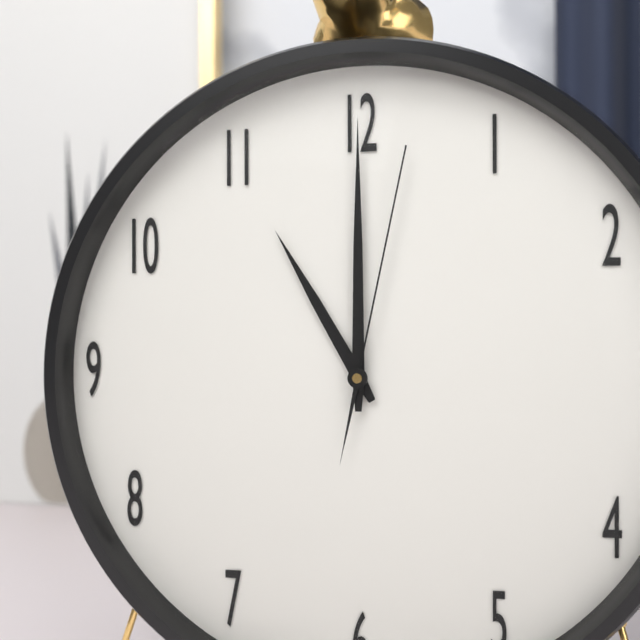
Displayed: **11:00:02**
